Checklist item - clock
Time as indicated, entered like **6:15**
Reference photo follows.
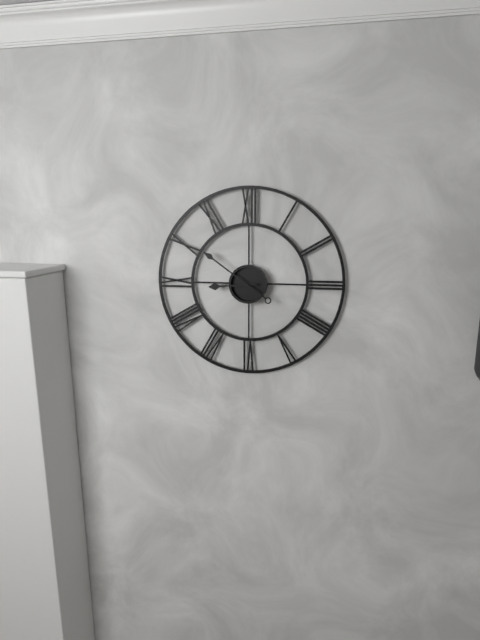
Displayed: **8:51**
